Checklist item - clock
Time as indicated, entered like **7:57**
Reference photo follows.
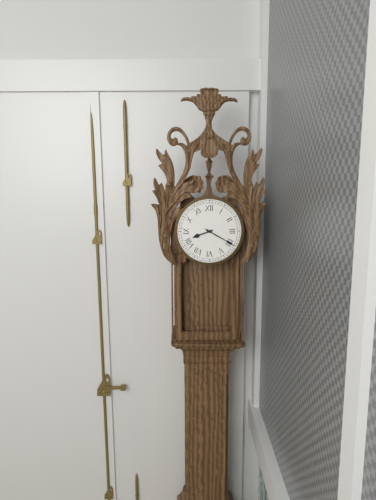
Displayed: **8:20**
